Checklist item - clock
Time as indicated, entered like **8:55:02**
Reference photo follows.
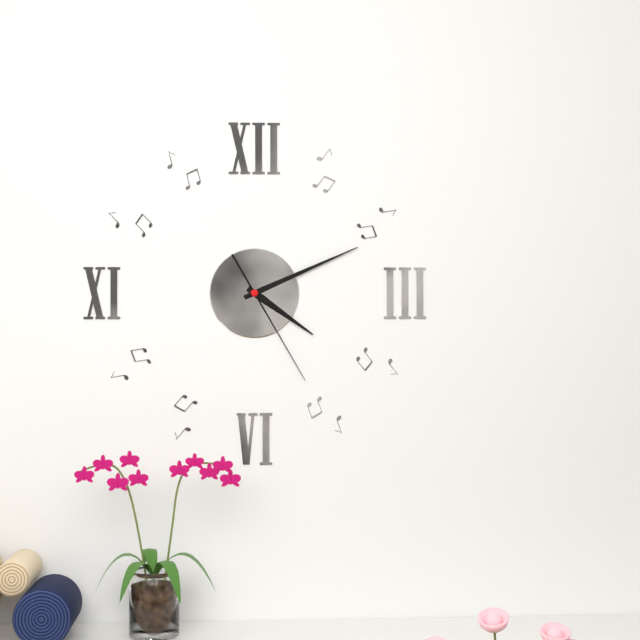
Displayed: **4:11:25**
